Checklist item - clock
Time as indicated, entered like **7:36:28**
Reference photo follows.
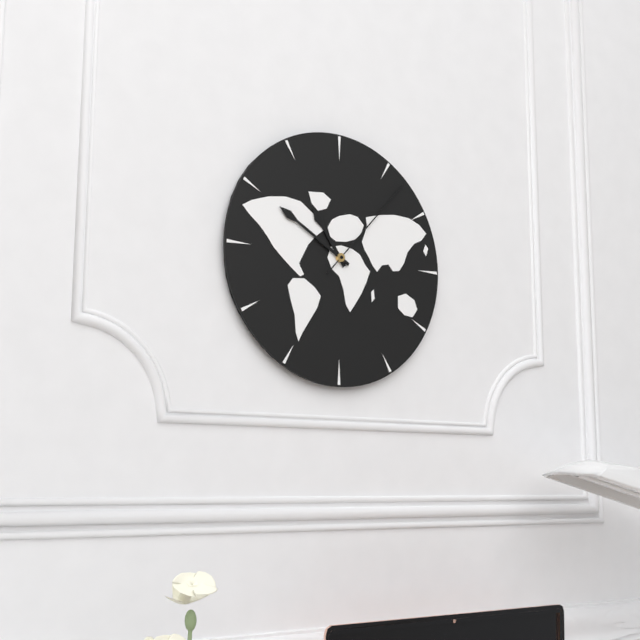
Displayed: **10:50:07**
